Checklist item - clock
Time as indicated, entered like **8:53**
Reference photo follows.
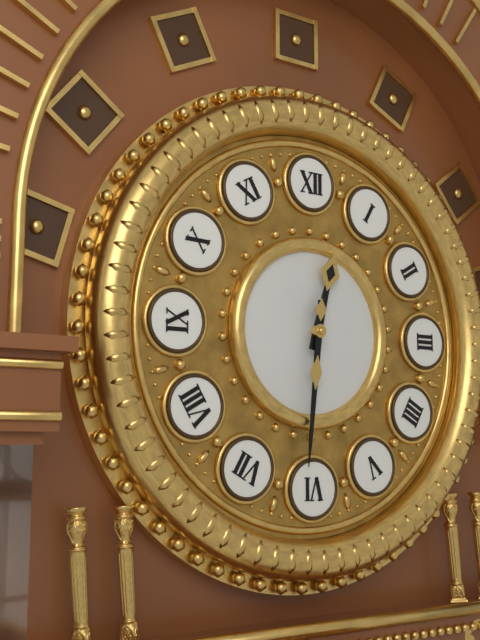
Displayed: **12:31**
